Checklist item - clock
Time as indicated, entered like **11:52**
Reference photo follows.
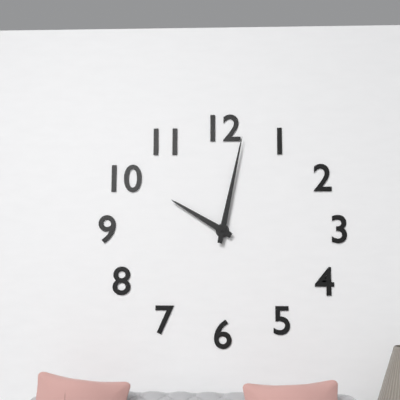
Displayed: **10:02**
